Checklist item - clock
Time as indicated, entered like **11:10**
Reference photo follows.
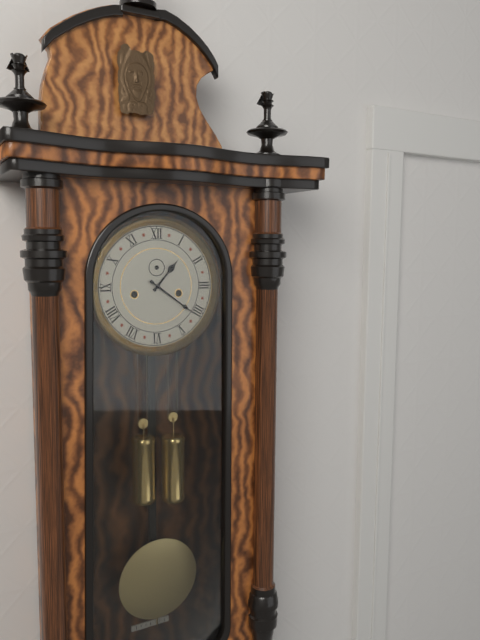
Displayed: **1:21**
